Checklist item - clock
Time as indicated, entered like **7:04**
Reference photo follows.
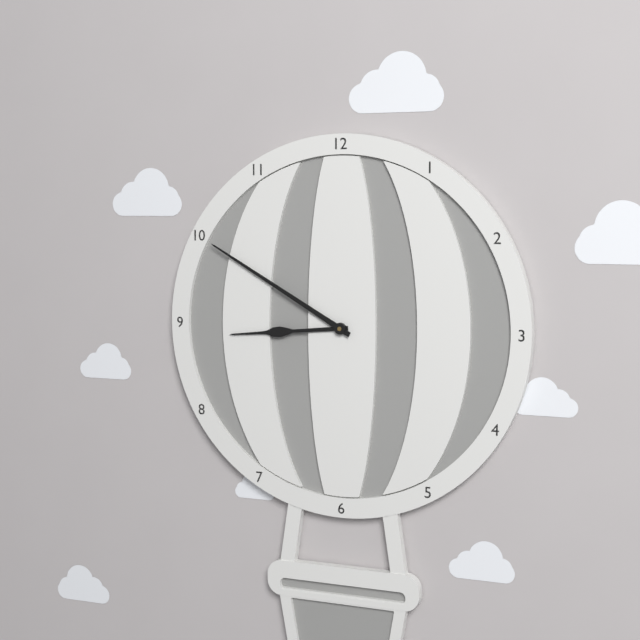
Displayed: **8:50**
